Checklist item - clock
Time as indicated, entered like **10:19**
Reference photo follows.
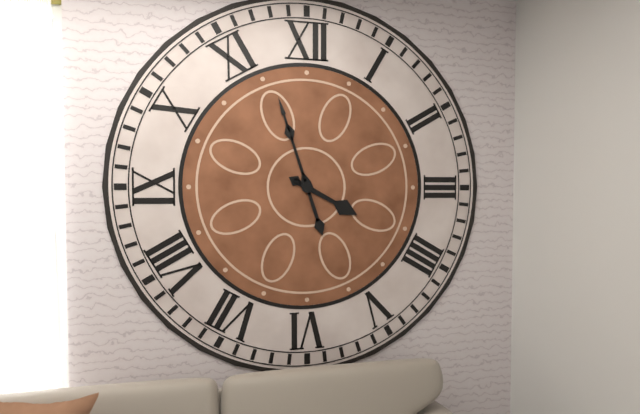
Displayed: **3:57**
